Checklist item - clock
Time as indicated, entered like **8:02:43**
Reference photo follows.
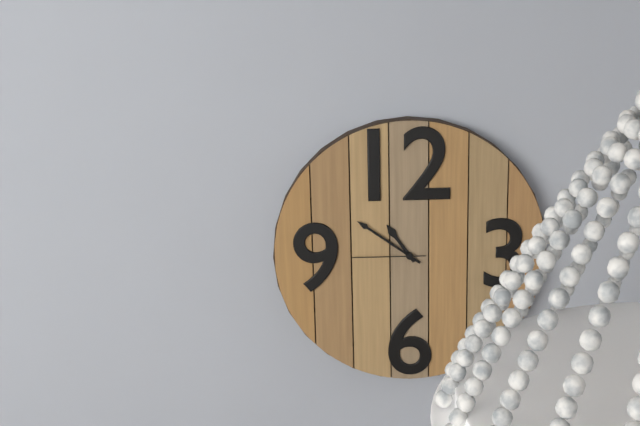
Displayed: **10:51:45**
